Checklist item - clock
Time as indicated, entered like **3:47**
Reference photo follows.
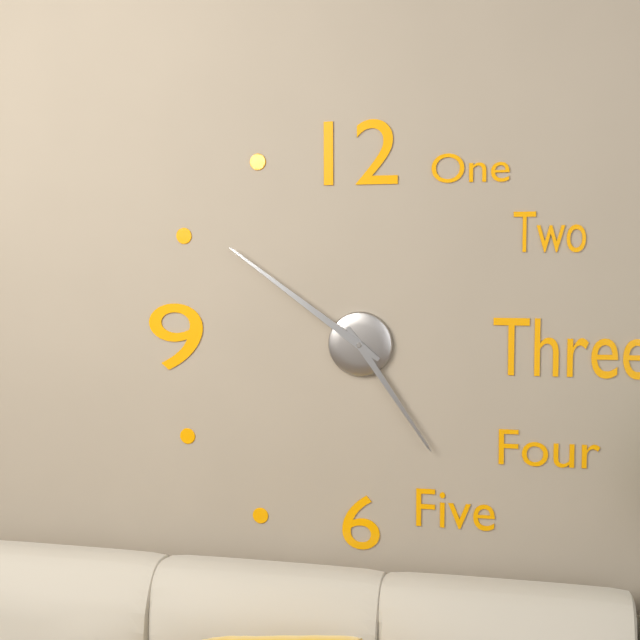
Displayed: **4:51**
